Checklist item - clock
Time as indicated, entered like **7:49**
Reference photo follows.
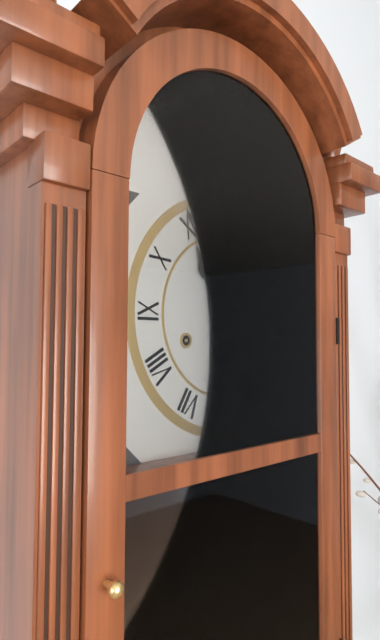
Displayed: **10:55**
